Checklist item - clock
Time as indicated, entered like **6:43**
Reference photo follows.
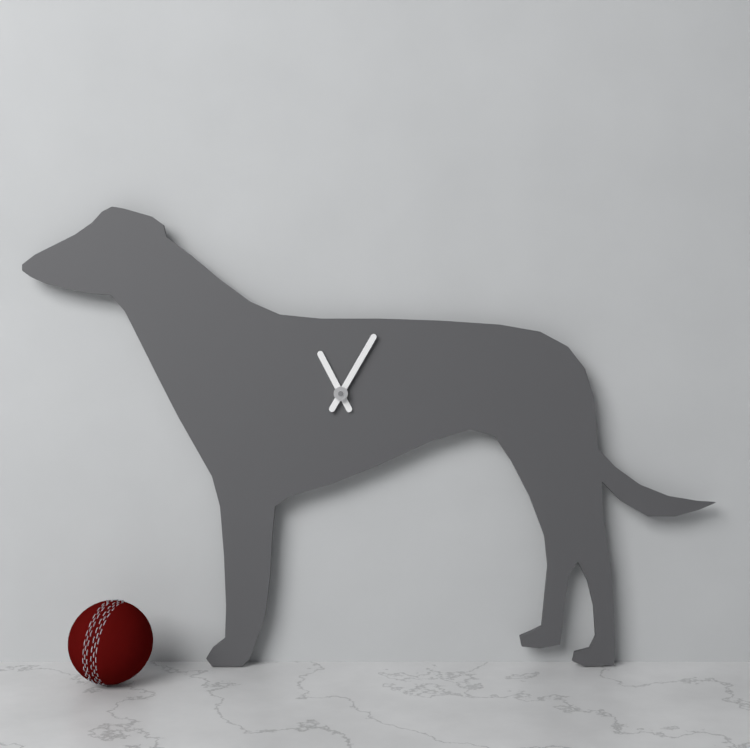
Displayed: **11:05**
